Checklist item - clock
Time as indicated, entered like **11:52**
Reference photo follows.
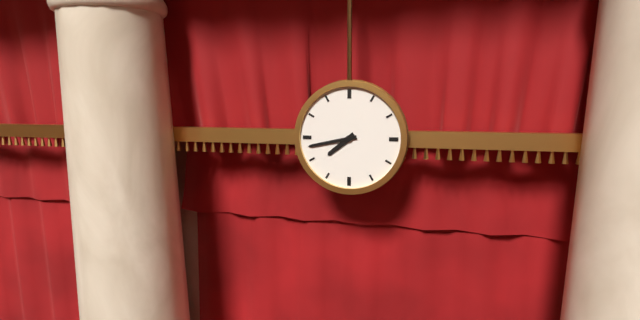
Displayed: **7:43**
